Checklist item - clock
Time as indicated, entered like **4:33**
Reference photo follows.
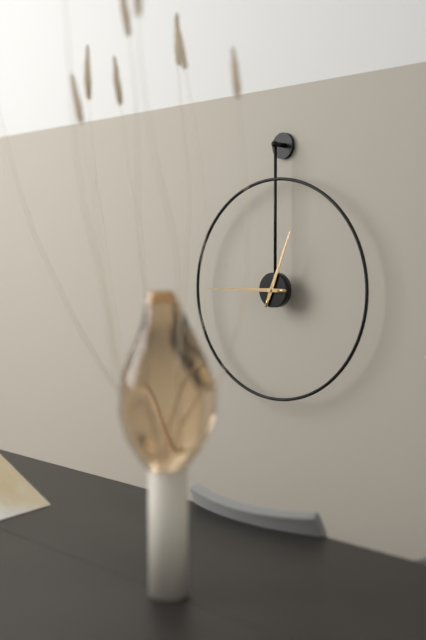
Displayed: **12:45**
